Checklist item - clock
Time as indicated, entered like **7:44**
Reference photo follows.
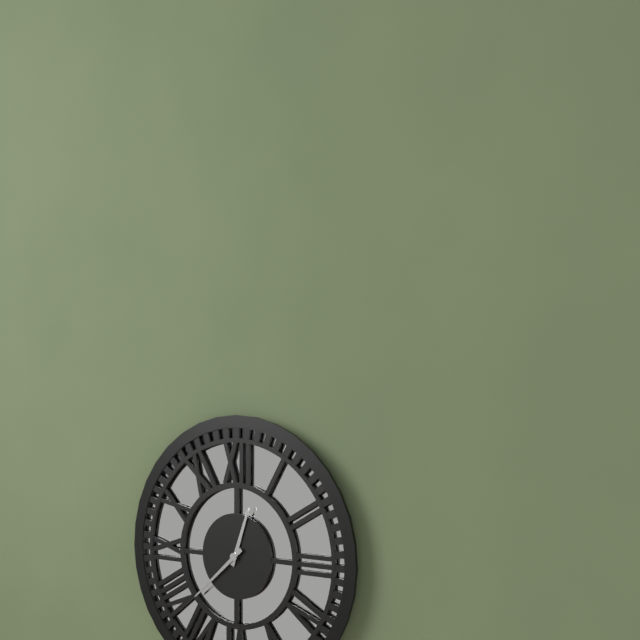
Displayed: **12:38**
